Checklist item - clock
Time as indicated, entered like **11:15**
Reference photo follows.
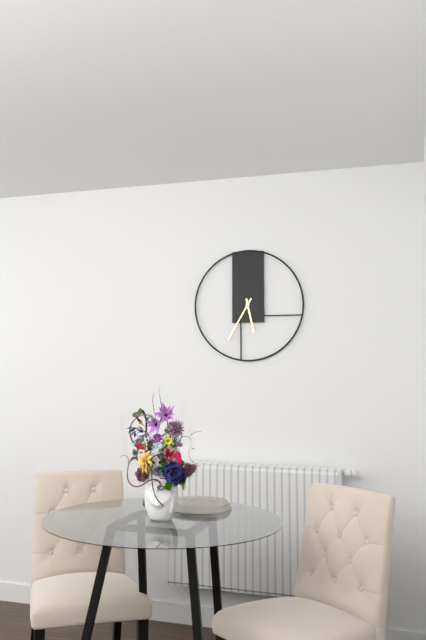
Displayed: **5:35**
